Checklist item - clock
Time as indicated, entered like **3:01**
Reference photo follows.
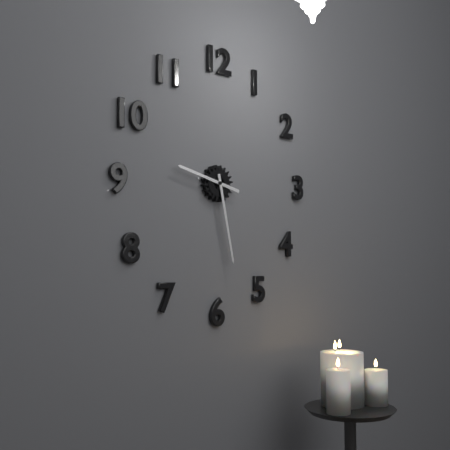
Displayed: **9:28**
